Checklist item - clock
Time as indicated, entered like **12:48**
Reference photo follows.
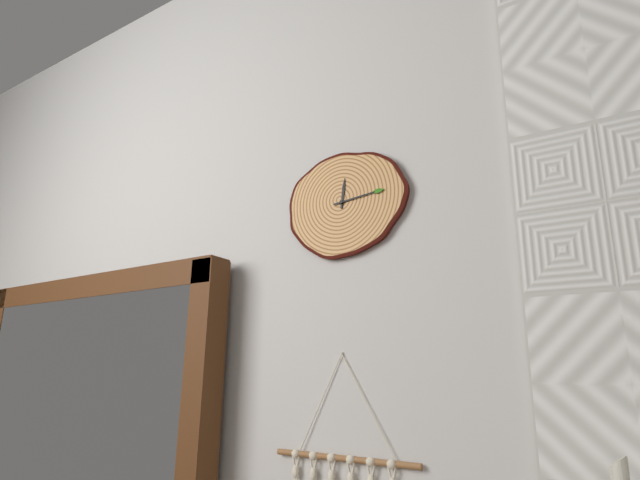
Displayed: **12:14**
